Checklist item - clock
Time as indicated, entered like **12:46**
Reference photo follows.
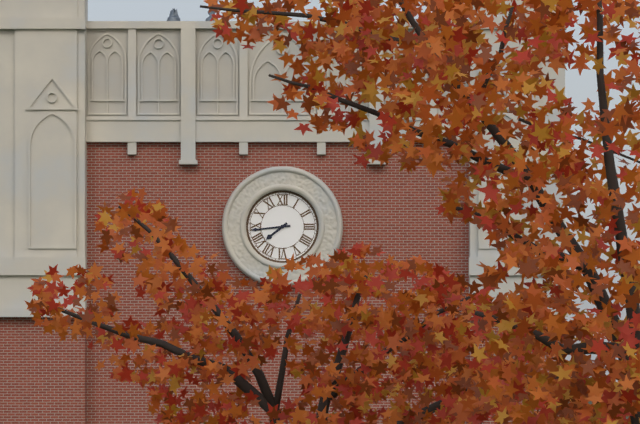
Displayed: **7:44**
